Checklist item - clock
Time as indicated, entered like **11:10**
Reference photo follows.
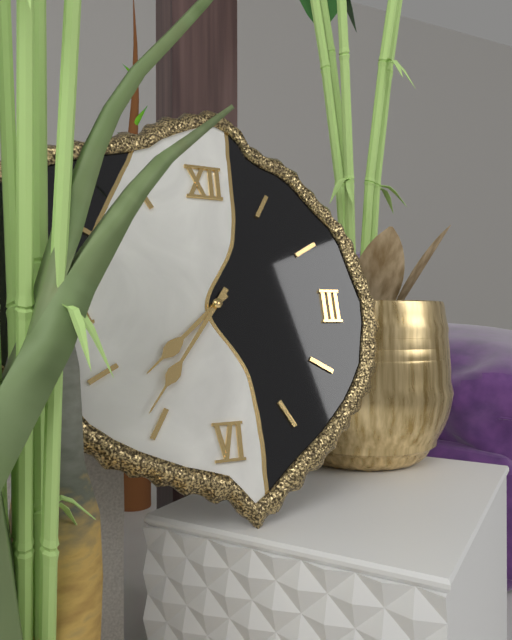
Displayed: **7:36**
